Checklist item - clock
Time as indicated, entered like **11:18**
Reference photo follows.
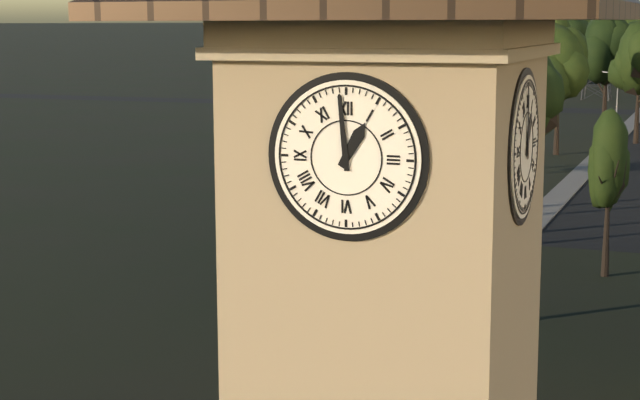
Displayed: **12:59**
